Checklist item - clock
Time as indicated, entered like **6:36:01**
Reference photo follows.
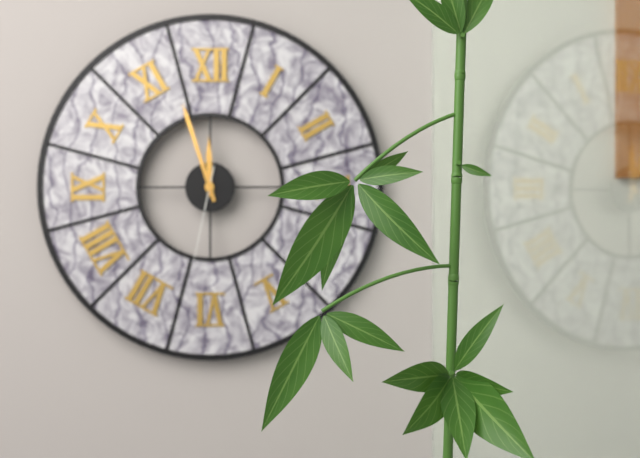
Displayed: **11:57:32**
